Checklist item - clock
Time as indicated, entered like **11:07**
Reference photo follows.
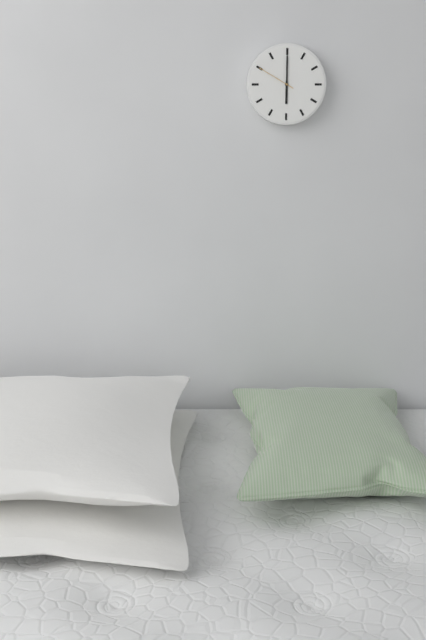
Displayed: **6:00**
